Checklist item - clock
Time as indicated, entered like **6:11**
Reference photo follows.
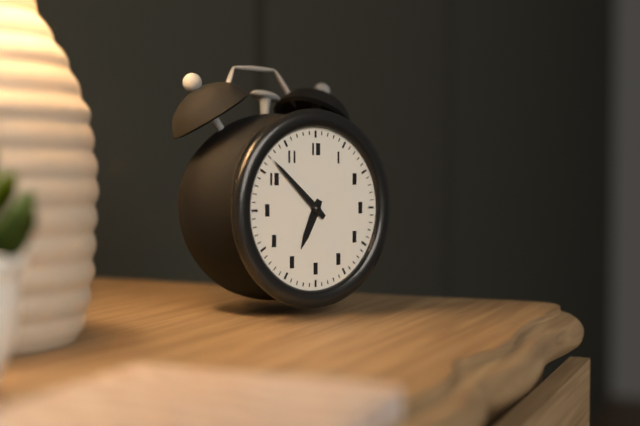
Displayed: **6:52**
